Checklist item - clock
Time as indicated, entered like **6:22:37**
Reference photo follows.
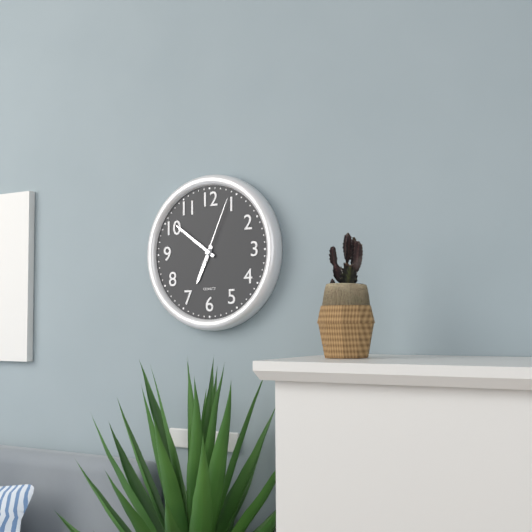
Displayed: **6:51:04**
